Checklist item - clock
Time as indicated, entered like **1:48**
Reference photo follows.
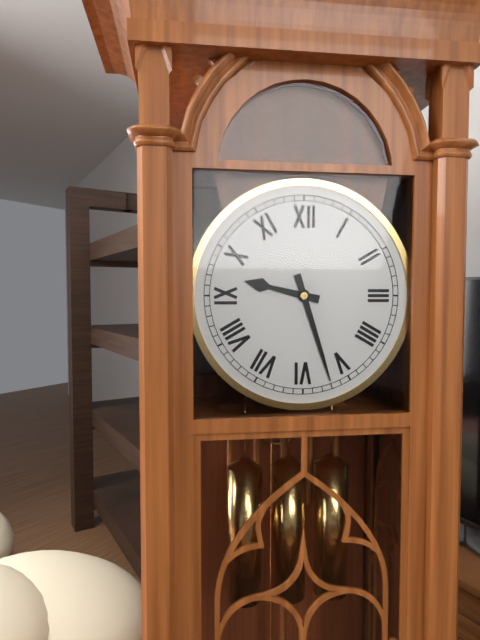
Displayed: **9:27**
